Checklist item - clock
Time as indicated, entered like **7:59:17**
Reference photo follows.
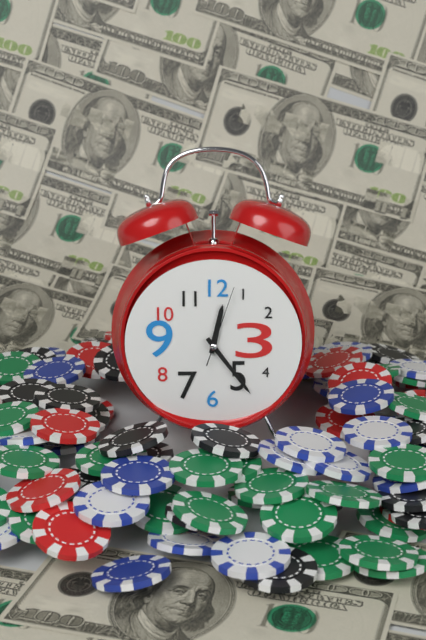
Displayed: **12:24:03**
